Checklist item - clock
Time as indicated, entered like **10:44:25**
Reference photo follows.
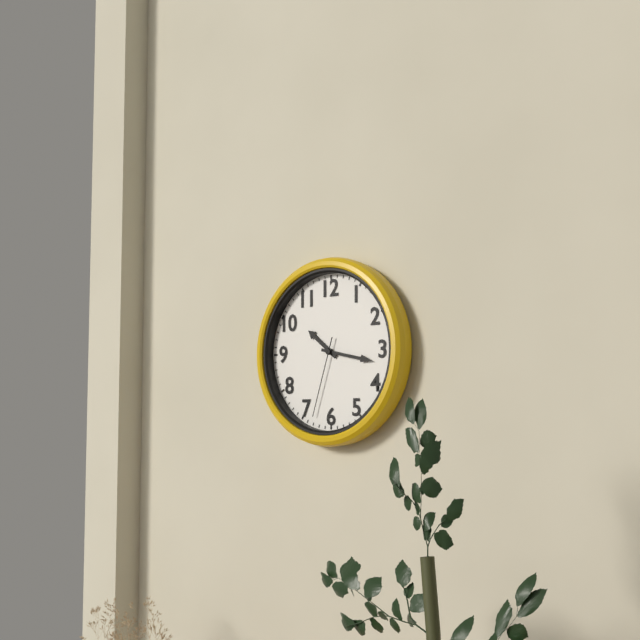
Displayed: **10:17:33**
